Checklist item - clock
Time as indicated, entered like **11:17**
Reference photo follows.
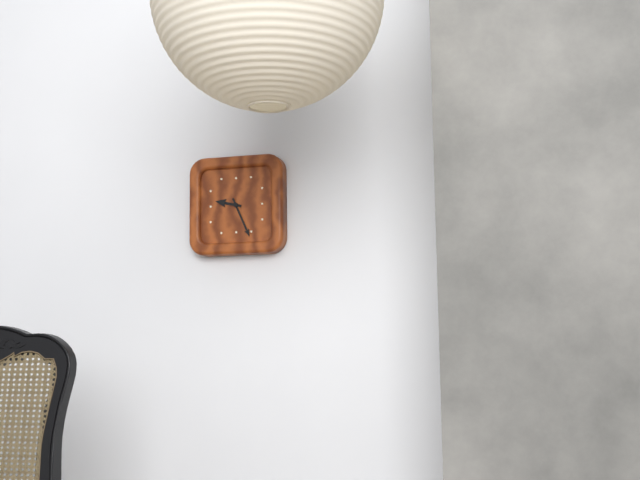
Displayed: **9:26**
